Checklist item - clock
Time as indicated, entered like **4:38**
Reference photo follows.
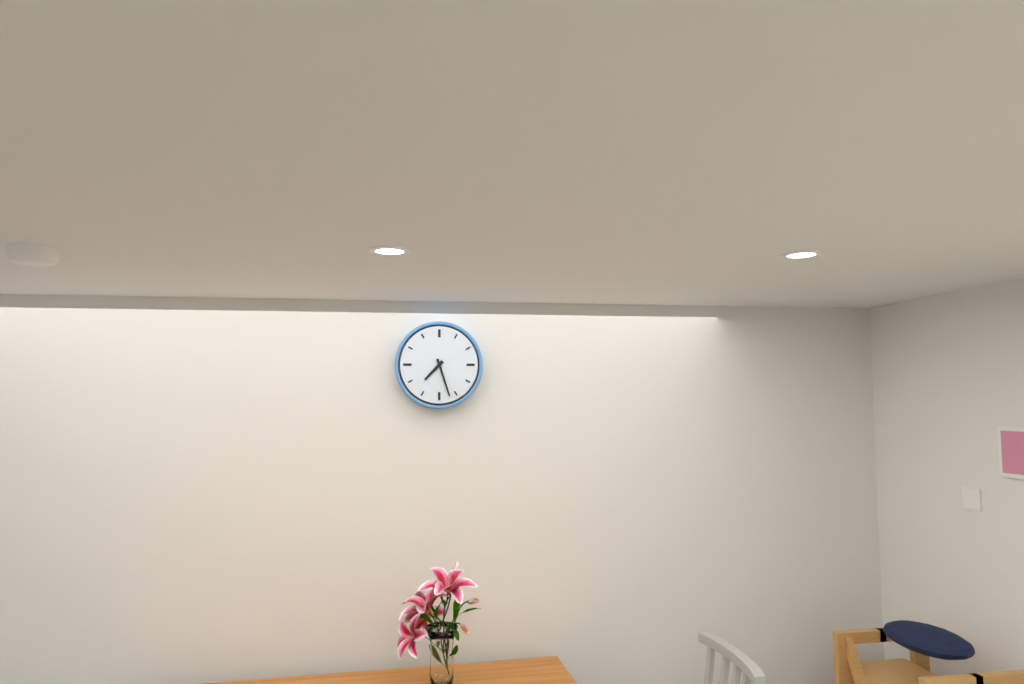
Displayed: **7:27**
